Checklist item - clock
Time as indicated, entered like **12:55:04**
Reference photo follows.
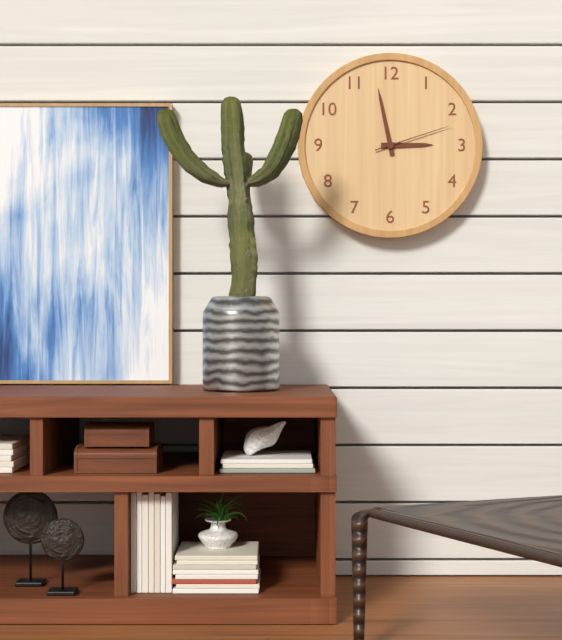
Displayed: **2:58:12**
